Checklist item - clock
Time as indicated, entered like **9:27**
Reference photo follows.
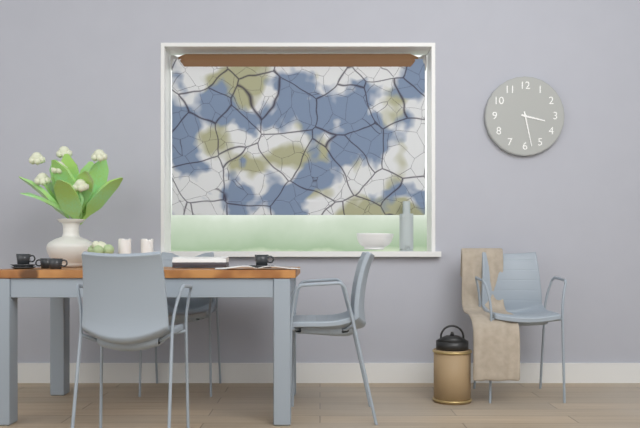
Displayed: **3:28**
